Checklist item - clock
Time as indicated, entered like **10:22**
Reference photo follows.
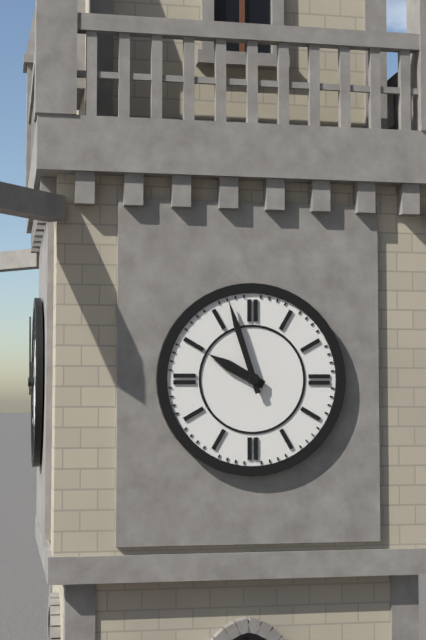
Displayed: **9:57**
